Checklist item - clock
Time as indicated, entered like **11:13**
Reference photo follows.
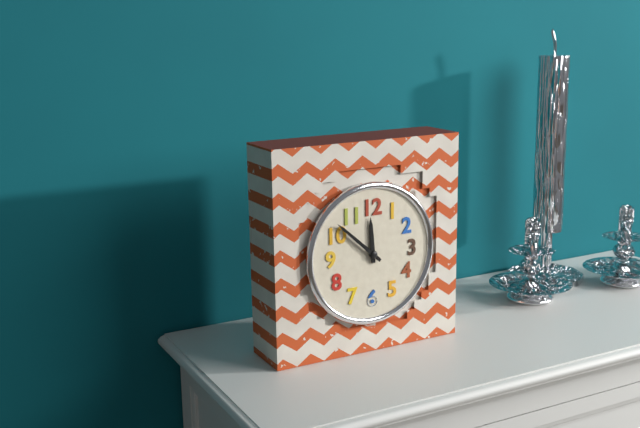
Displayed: **11:52**
